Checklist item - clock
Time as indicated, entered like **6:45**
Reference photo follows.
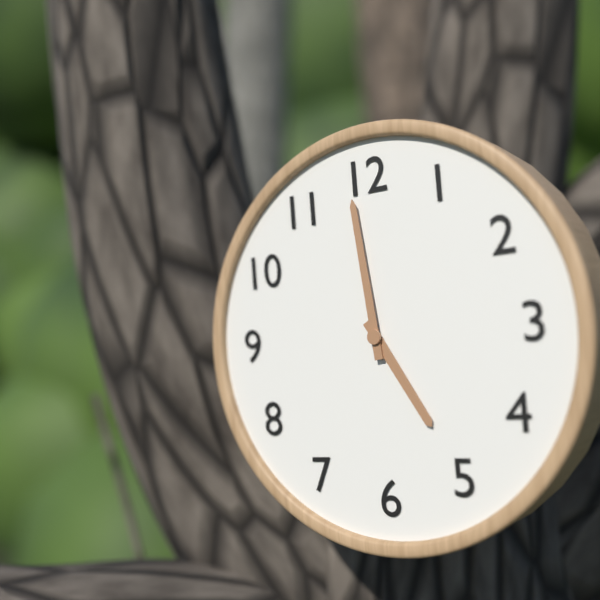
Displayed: **4:59**
